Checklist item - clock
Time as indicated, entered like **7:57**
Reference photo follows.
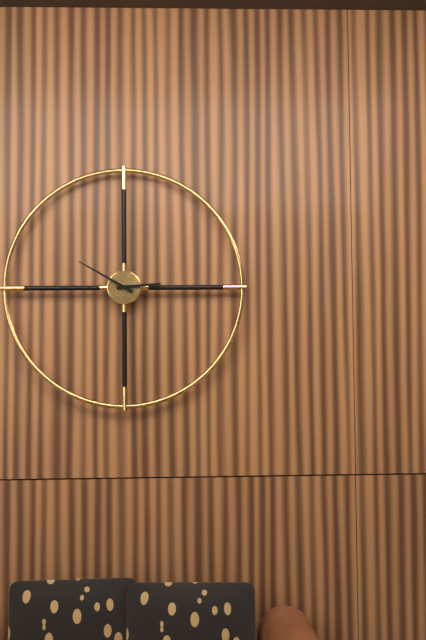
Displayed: **2:50**
